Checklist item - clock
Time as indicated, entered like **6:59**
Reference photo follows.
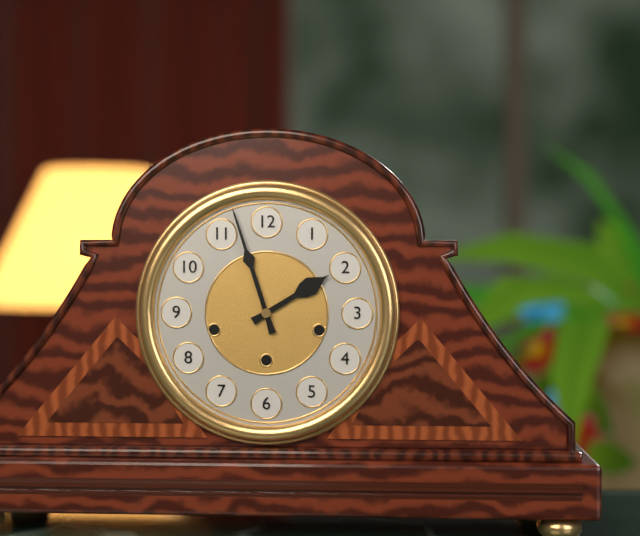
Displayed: **1:57**
